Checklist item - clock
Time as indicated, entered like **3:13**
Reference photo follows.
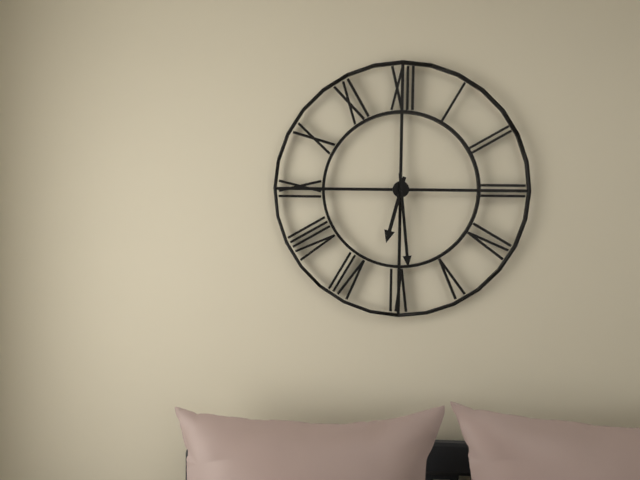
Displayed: **6:29**
